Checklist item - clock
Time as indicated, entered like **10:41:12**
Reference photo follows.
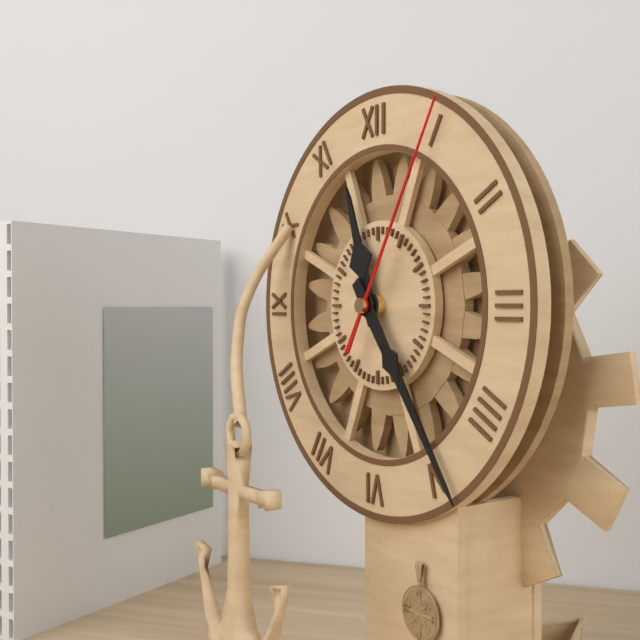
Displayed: **11:24:05**
